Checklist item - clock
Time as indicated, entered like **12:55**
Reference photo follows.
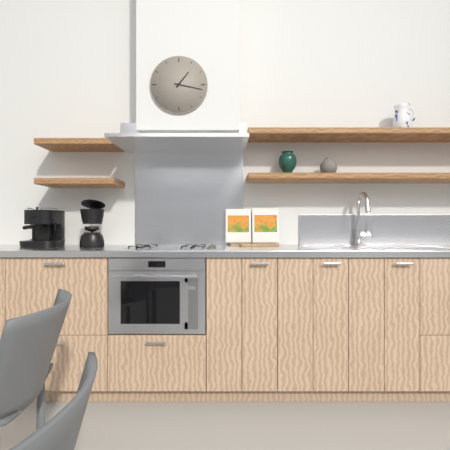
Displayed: **1:17**
